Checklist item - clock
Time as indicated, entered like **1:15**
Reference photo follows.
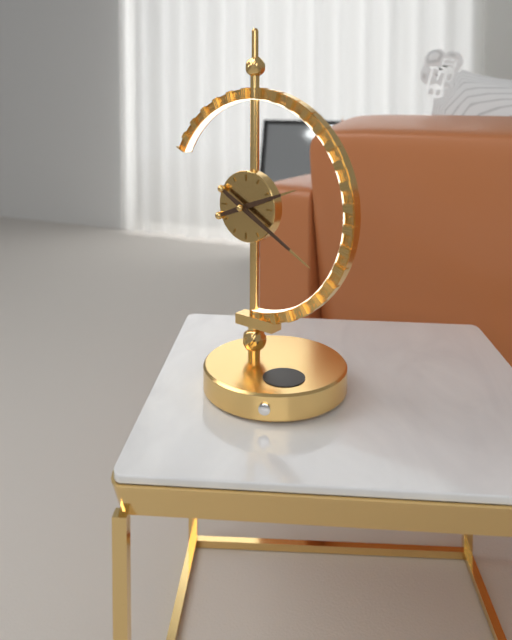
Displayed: **2:20**
